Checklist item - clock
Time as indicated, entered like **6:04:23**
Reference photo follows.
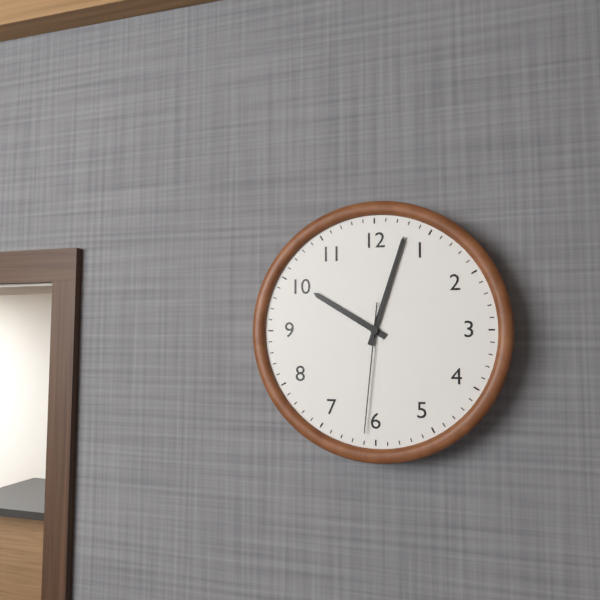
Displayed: **10:03:31**
